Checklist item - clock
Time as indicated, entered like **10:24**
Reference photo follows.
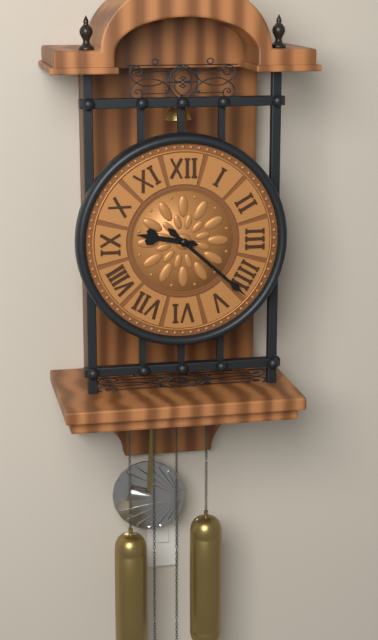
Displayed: **9:22**
